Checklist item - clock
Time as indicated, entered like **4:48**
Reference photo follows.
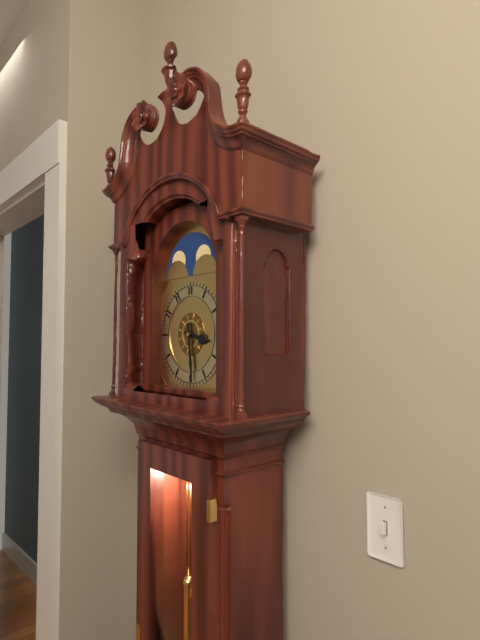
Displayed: **3:29**
